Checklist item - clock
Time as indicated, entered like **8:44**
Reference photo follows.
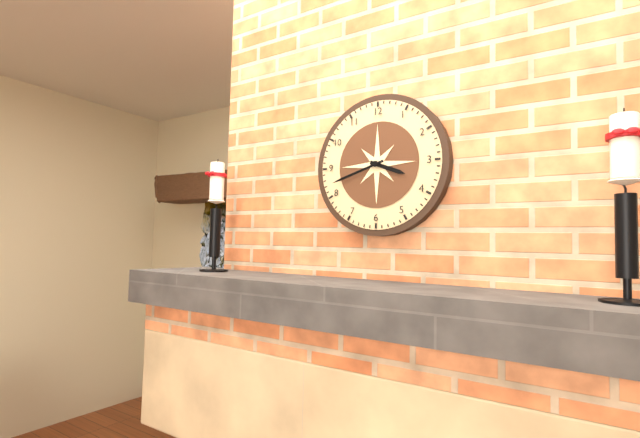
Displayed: **3:42**
